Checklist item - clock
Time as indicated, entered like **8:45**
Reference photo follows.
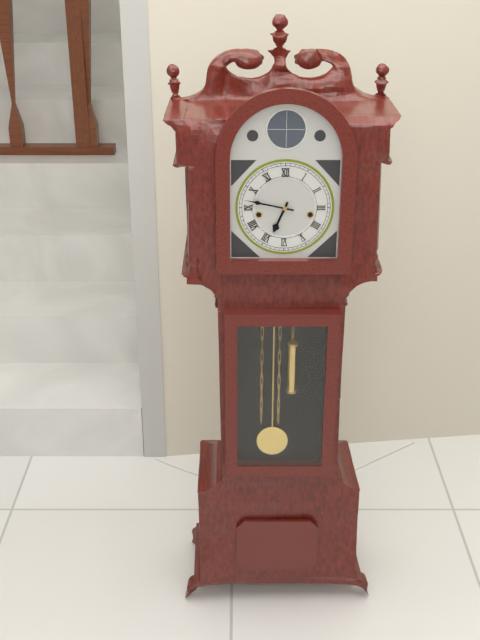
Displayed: **6:47**
